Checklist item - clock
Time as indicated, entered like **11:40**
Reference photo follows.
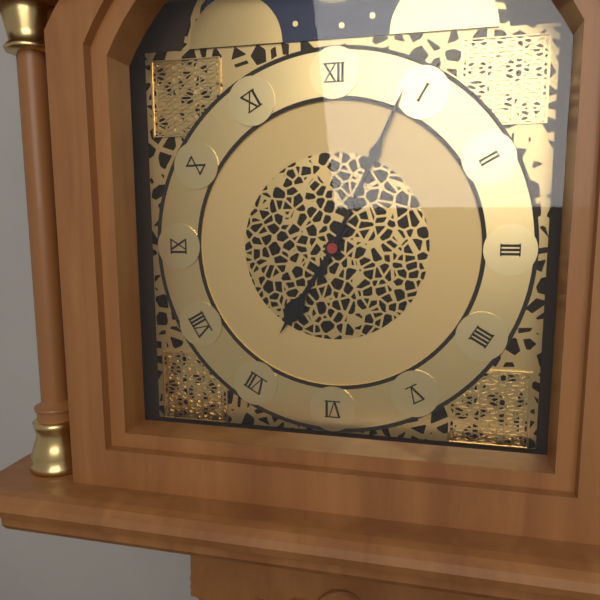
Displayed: **7:04**
